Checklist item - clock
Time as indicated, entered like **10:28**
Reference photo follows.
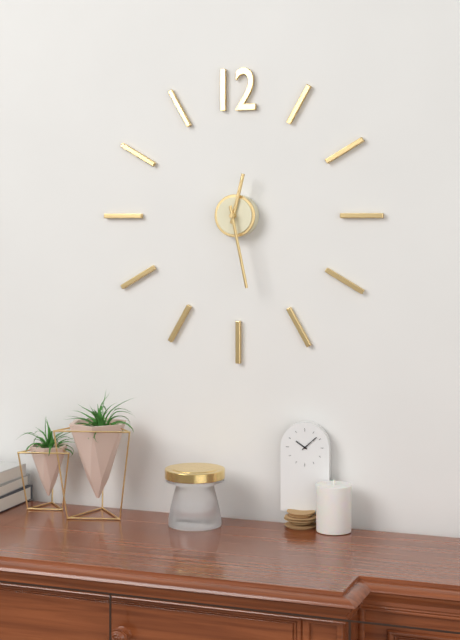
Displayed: **12:28**
